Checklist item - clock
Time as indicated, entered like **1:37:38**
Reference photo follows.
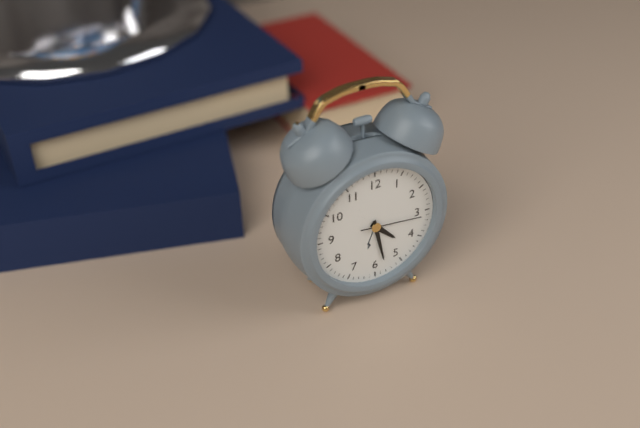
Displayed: **4:28:16**
